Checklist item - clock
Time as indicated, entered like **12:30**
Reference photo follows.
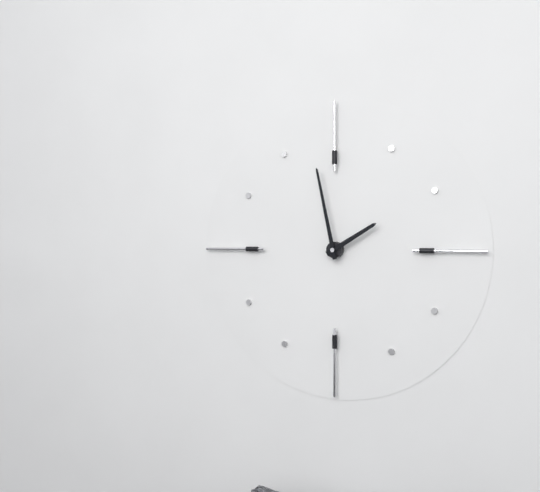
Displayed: **1:58**
